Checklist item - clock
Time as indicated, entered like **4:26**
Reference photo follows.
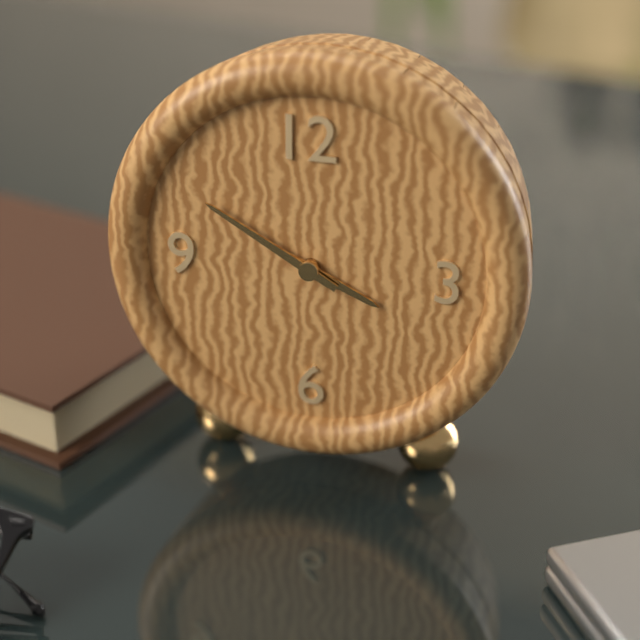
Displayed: **3:50**
